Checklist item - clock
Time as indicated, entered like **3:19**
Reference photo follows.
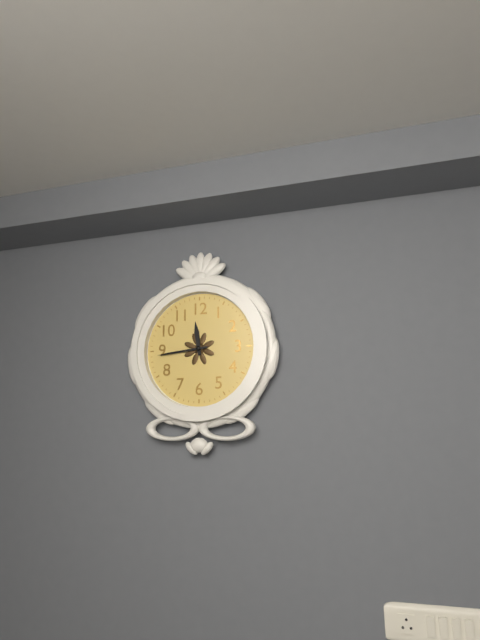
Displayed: **11:44**
